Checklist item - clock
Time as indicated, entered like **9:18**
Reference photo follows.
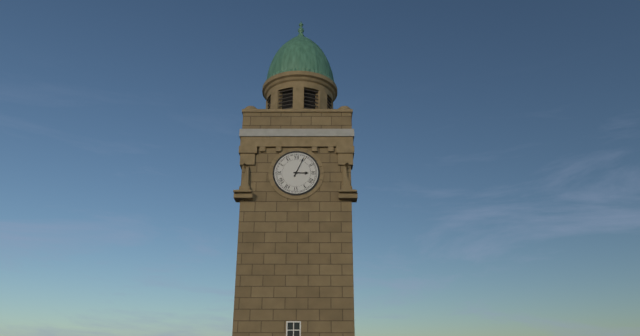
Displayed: **3:04**
